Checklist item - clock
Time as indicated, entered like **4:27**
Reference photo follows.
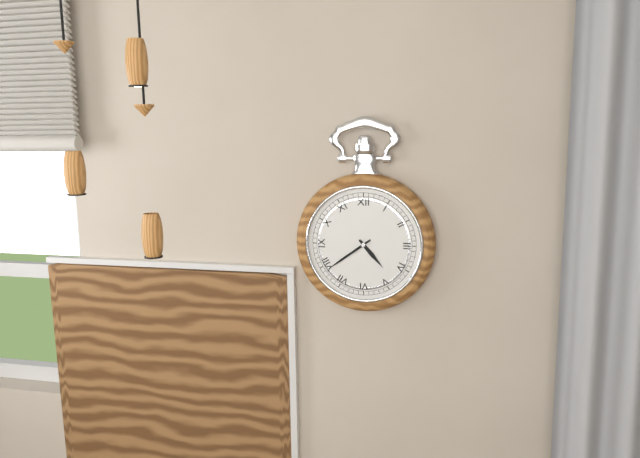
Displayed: **4:39**
